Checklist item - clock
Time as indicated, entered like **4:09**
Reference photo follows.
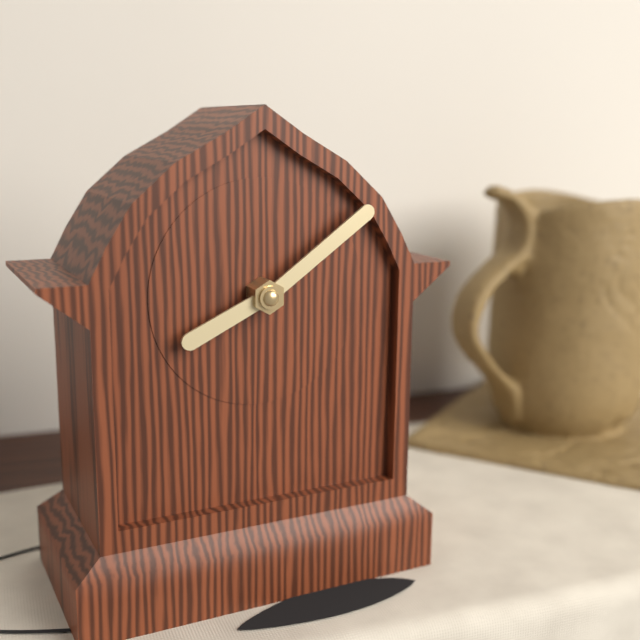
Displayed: **8:09**
